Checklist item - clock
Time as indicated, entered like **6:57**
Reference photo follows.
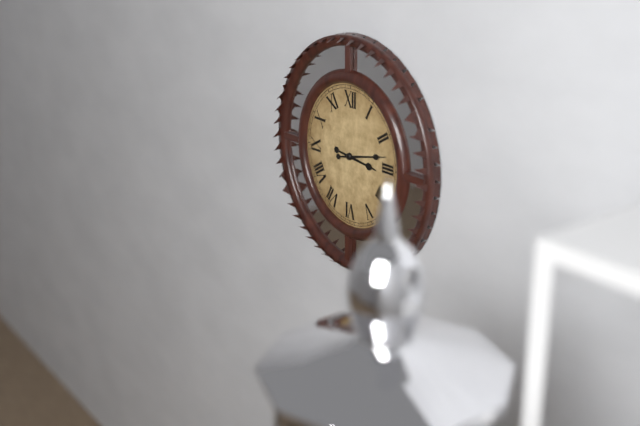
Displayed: **3:13**
